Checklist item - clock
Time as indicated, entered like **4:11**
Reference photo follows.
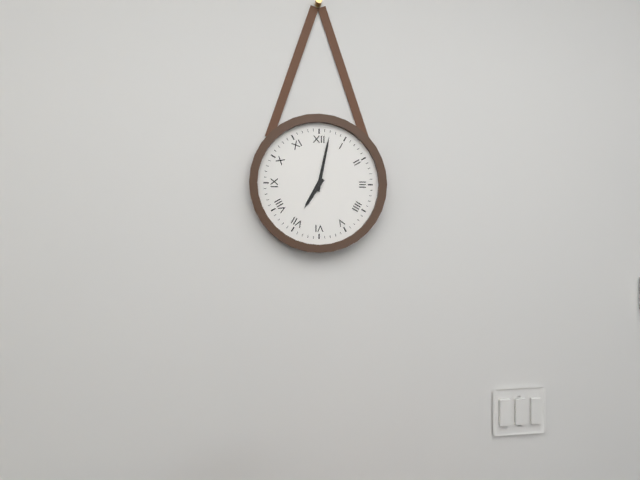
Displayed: **7:02**
